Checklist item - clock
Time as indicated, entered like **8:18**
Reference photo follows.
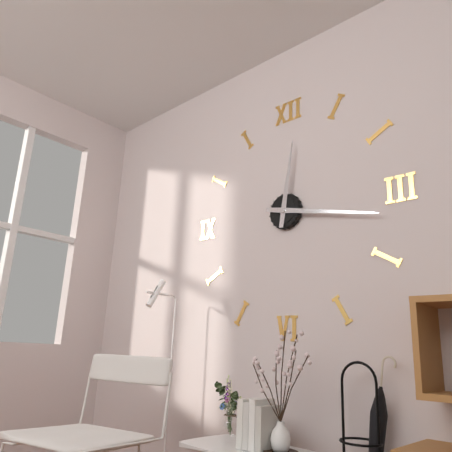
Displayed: **12:17**
